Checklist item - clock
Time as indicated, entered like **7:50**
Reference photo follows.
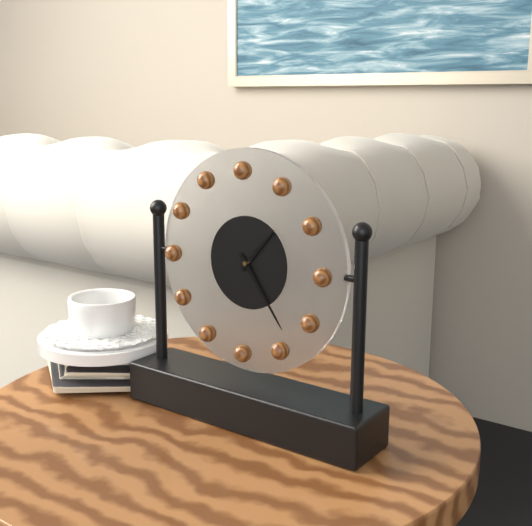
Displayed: **1:24**
